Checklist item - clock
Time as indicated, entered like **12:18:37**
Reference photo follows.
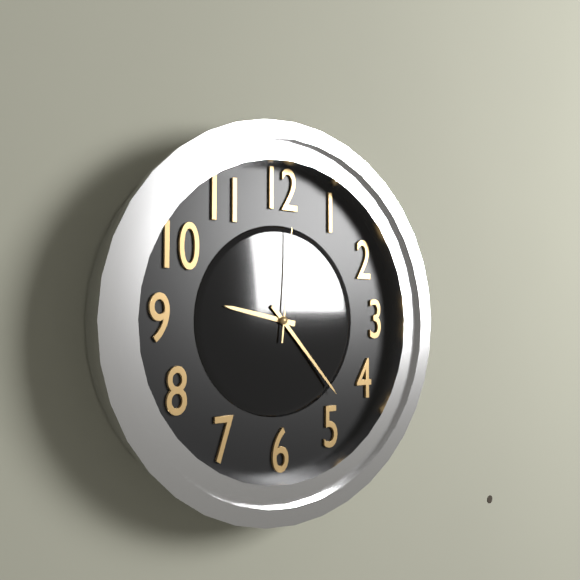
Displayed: **9:23:01**
